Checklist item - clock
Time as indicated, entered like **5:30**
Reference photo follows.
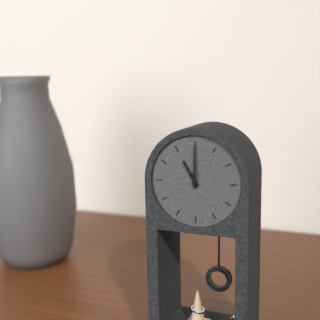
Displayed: **11:00**
